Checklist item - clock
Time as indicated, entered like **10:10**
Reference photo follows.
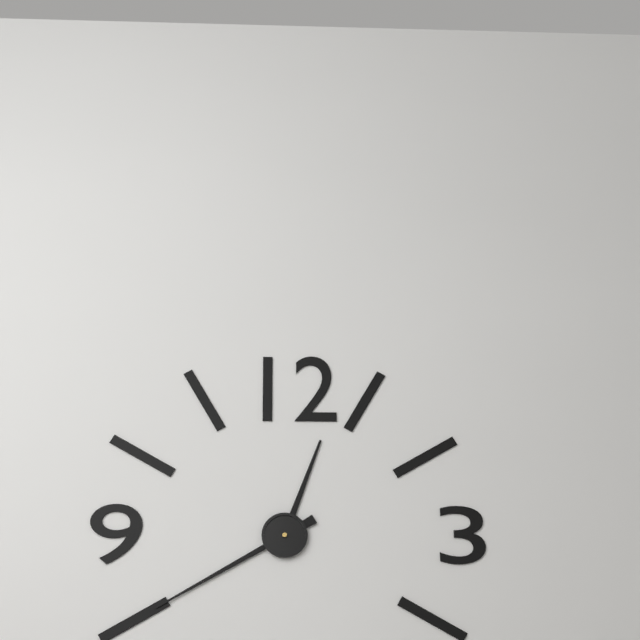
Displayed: **12:40**
